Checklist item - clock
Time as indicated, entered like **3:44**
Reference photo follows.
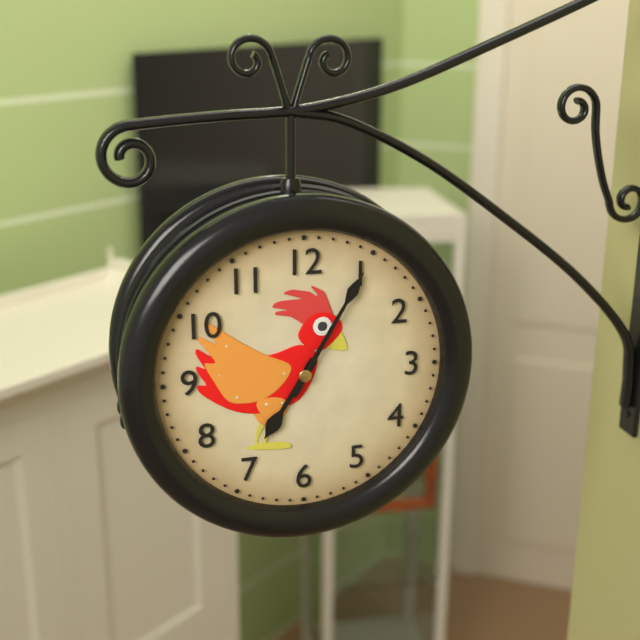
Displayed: **7:05**
